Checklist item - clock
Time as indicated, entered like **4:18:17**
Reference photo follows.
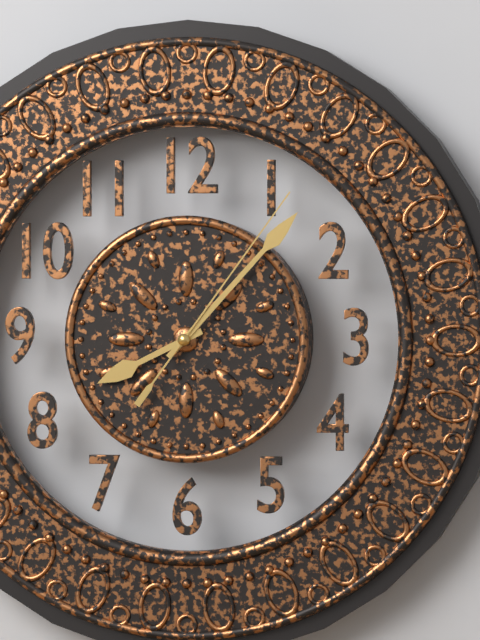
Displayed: **8:07:06**
